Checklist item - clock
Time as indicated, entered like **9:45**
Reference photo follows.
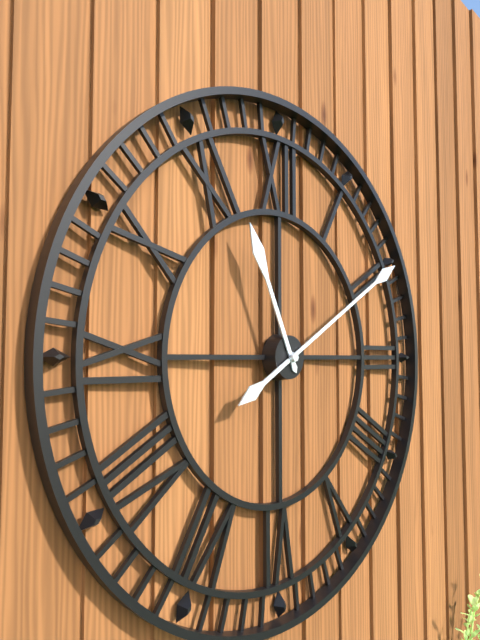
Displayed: **11:10**
